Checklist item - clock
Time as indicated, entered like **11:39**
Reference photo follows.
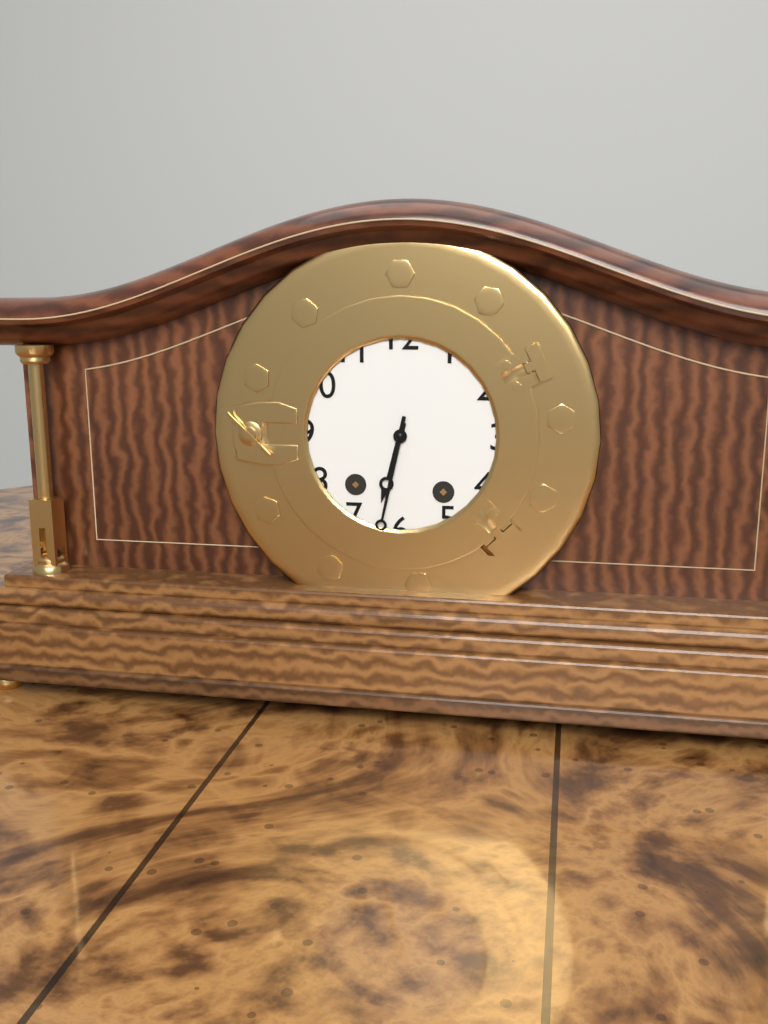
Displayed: **6:32**
